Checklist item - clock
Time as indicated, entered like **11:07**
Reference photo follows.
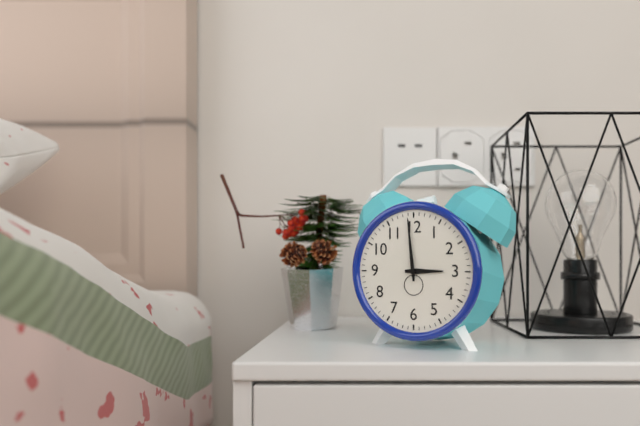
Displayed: **2:59**
